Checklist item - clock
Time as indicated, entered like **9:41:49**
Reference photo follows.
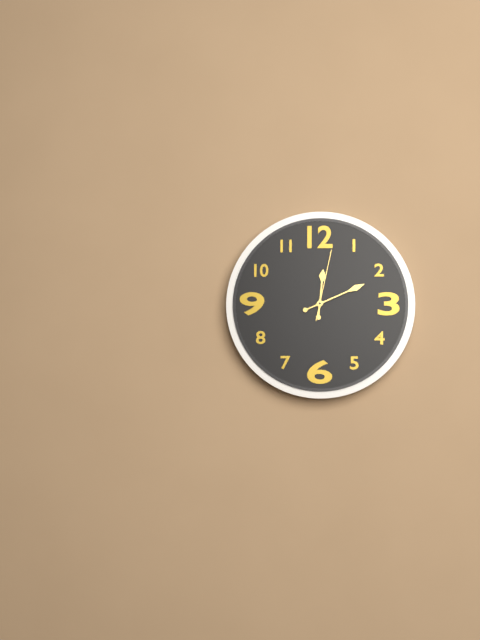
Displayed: **12:11:02**
